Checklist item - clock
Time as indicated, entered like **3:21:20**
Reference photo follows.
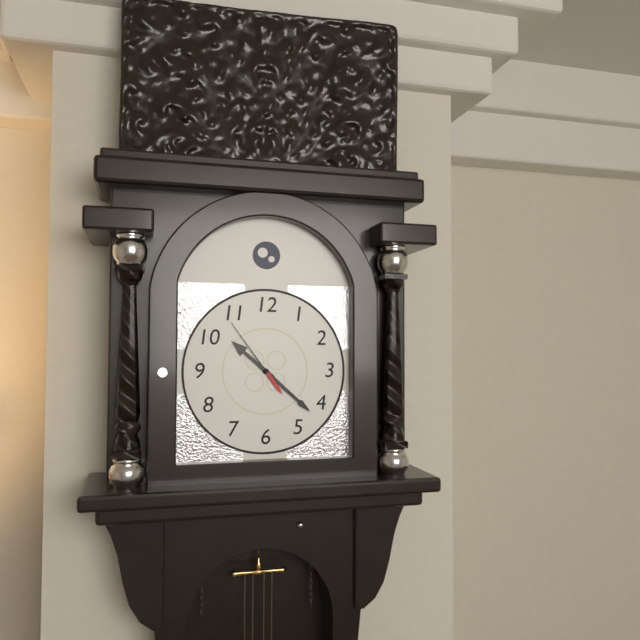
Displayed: **10:22:54**
